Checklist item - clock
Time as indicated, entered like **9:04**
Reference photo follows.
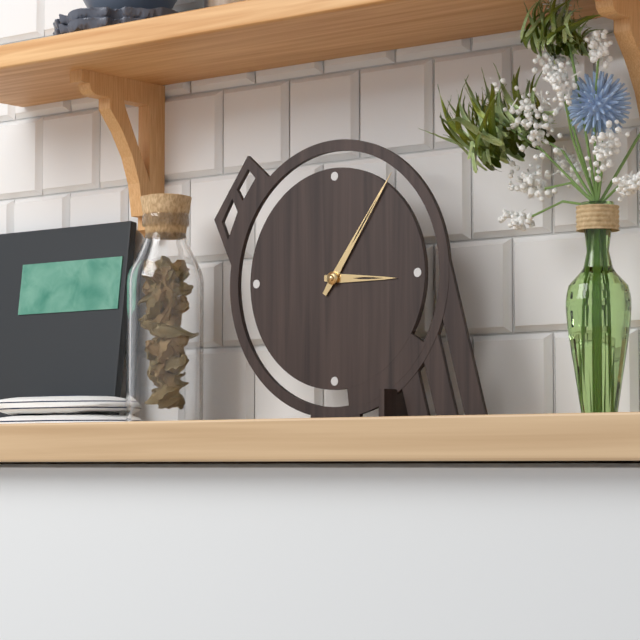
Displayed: **3:06**
